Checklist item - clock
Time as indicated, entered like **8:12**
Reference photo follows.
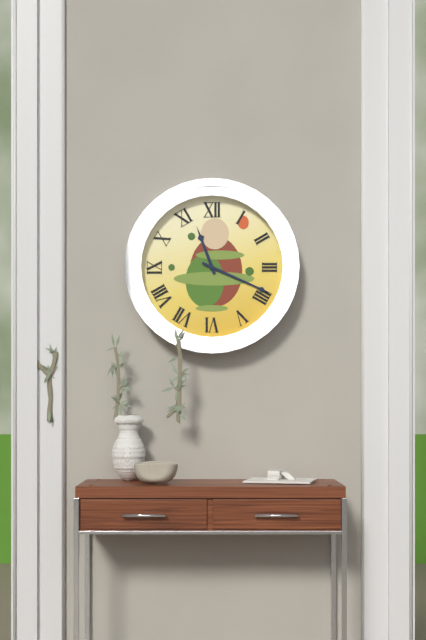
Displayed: **11:19**
